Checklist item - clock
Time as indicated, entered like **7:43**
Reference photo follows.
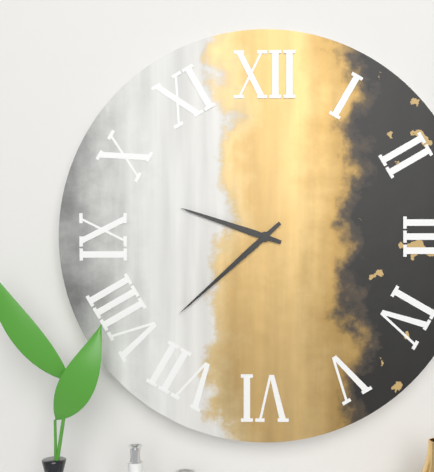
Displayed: **9:38**
